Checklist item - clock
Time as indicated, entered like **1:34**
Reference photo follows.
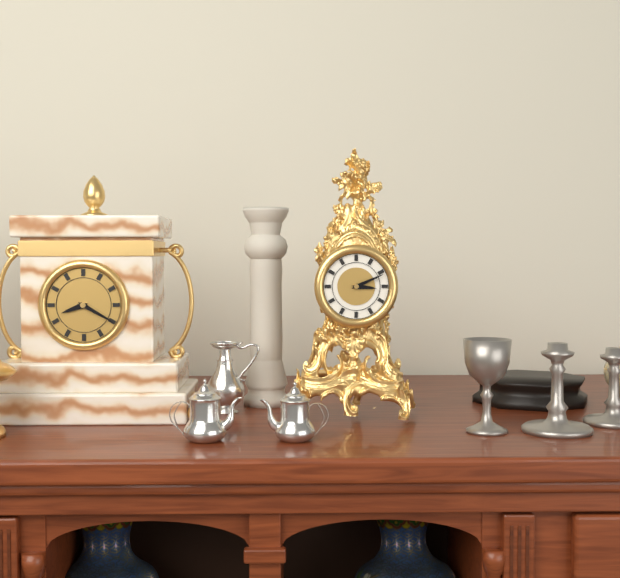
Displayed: **3:11**
